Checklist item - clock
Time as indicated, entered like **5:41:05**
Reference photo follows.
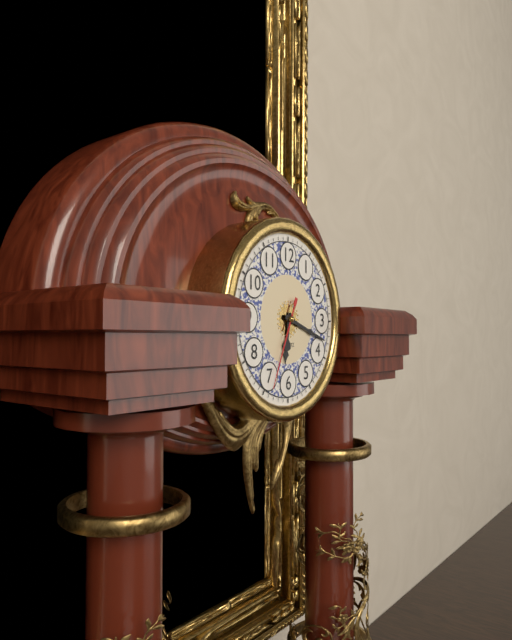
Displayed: **6:18:34**
